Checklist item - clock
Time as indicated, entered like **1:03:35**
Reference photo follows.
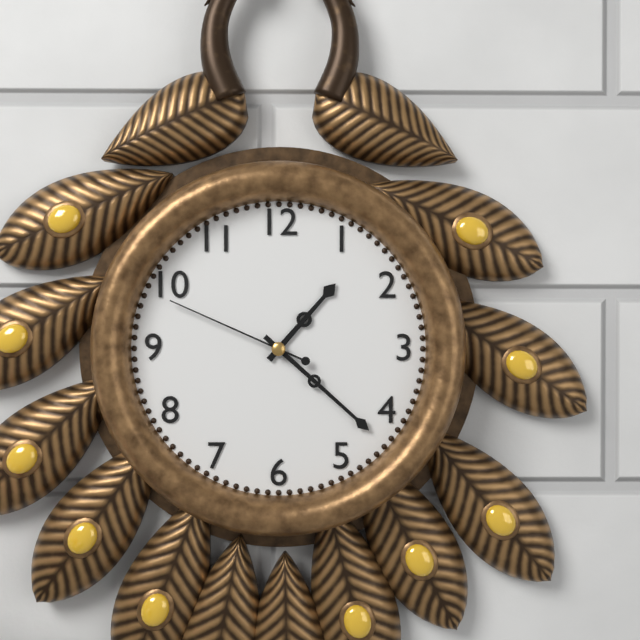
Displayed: **1:22:49**
